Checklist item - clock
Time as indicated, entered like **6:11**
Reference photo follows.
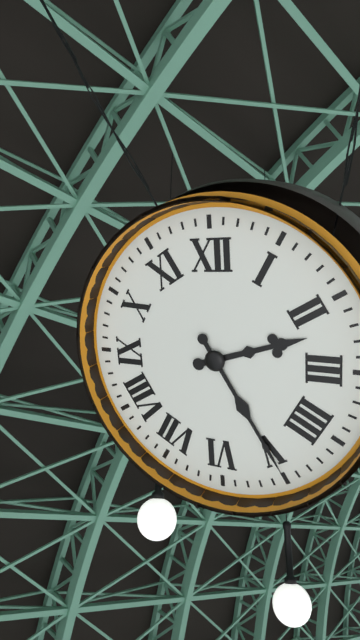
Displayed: **2:25**
